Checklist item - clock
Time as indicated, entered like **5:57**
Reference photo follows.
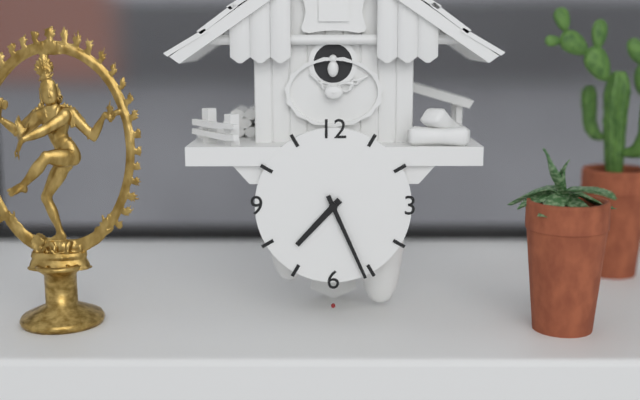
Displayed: **7:26**
